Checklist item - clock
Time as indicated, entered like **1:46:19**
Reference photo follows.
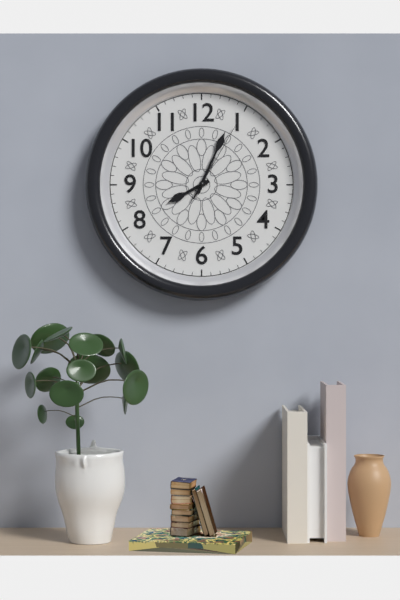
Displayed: **8:04:05**
